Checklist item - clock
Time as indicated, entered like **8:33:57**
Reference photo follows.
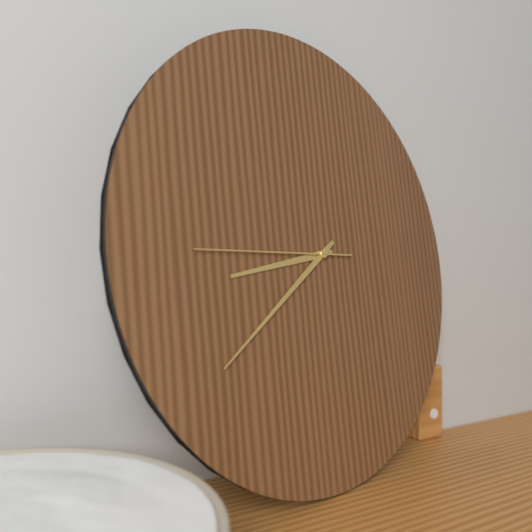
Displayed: **8:39:45**
